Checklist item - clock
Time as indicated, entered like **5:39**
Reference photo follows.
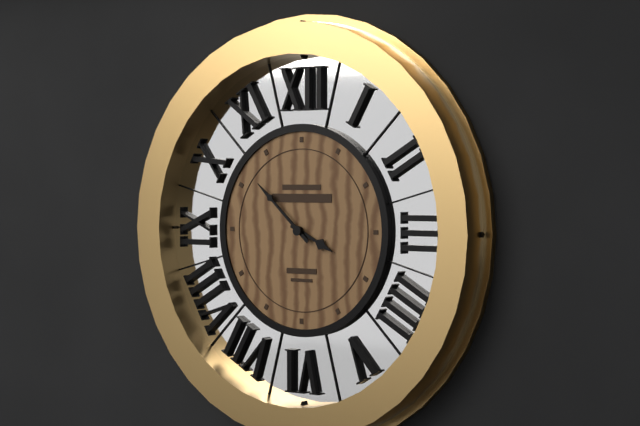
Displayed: **3:52**
